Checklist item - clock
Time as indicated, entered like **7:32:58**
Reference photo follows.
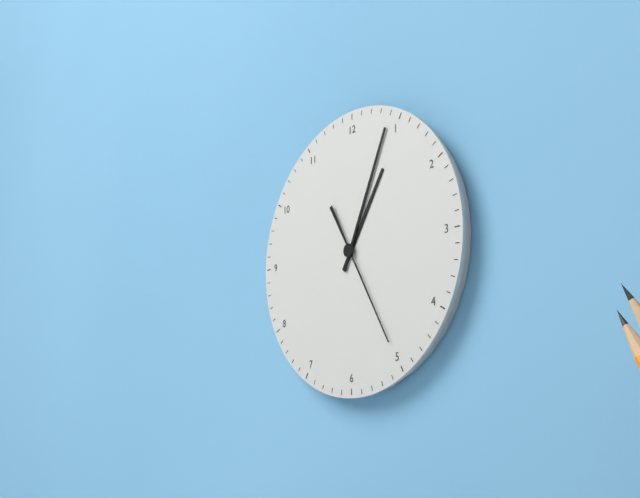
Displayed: **1:04:25**
